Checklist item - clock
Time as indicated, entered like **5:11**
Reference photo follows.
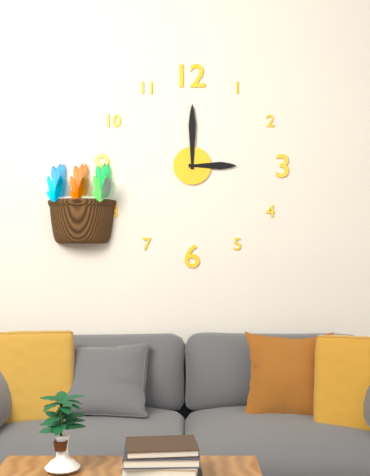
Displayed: **3:00**
